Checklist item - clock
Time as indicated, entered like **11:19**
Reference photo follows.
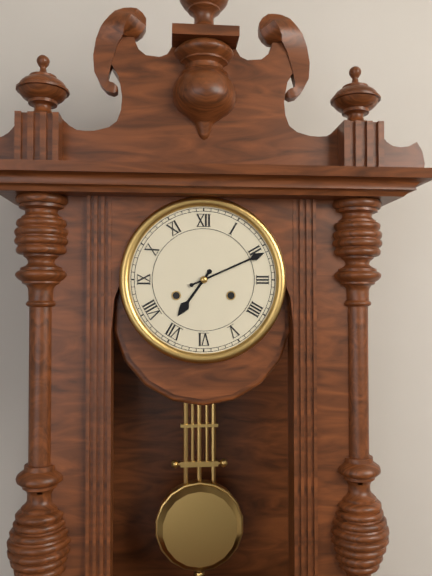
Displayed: **7:11**
